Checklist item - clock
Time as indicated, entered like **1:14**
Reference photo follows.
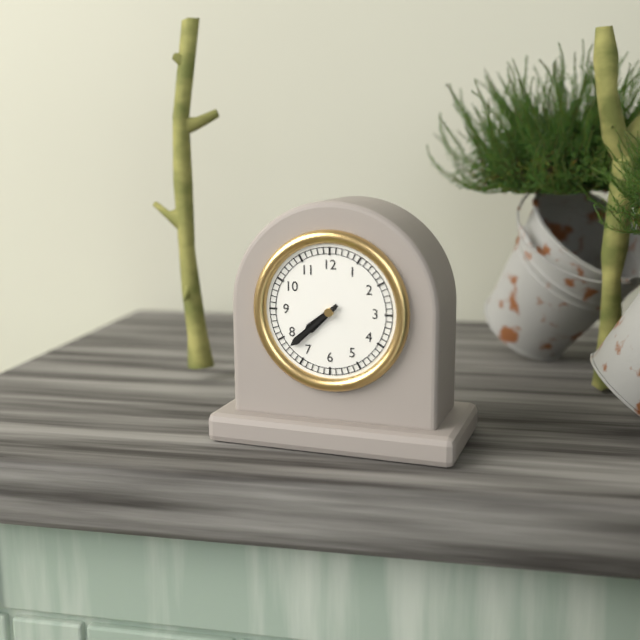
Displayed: **7:38**
